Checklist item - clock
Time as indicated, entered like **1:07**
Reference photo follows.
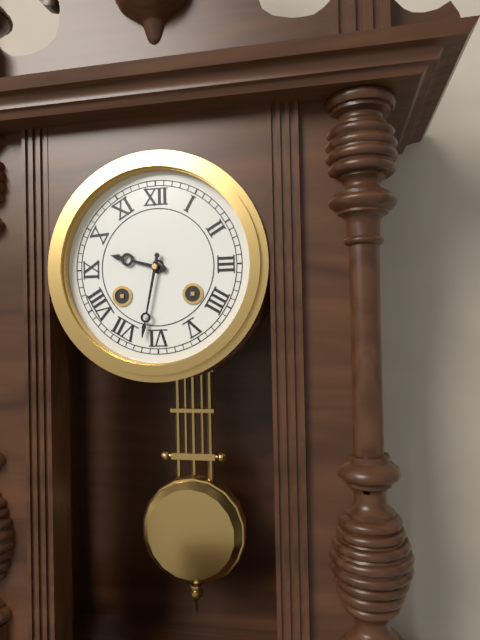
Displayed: **9:32**
